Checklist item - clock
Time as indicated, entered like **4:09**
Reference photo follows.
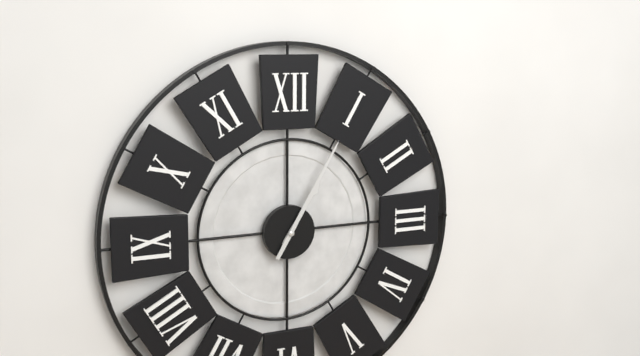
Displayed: **1:05**
